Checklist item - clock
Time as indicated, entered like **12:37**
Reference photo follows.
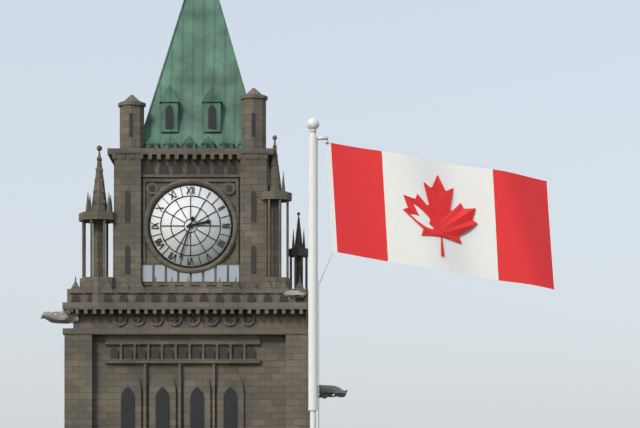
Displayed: **2:33**
